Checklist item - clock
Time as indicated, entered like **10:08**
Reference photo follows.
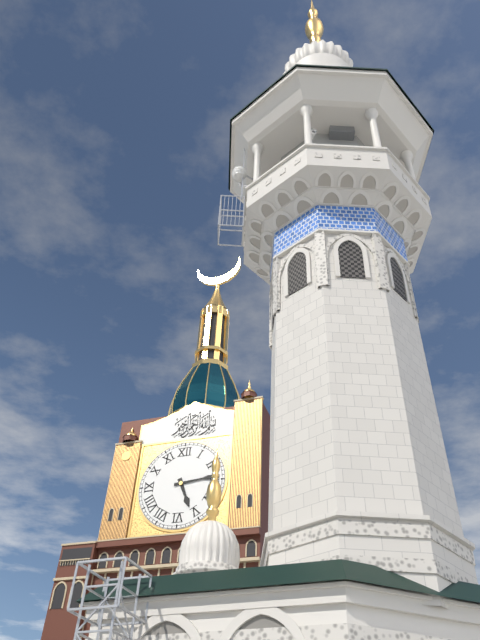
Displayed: **5:14**
